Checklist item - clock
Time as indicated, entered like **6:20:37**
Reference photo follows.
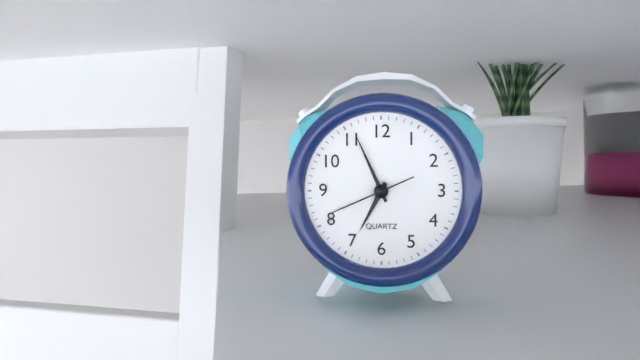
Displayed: **6:56:41**
